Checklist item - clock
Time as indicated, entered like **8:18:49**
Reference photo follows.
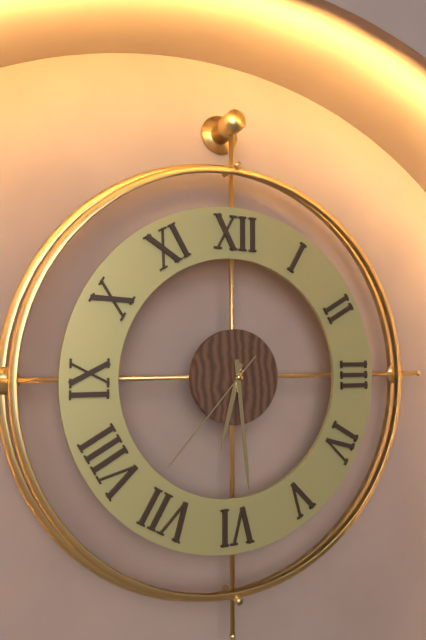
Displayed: **6:29:37**
